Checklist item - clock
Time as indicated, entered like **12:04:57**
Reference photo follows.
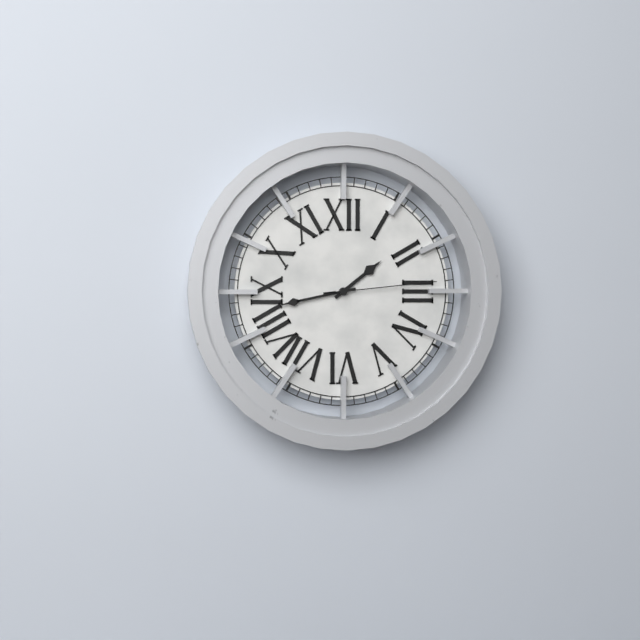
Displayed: **1:43:14**
